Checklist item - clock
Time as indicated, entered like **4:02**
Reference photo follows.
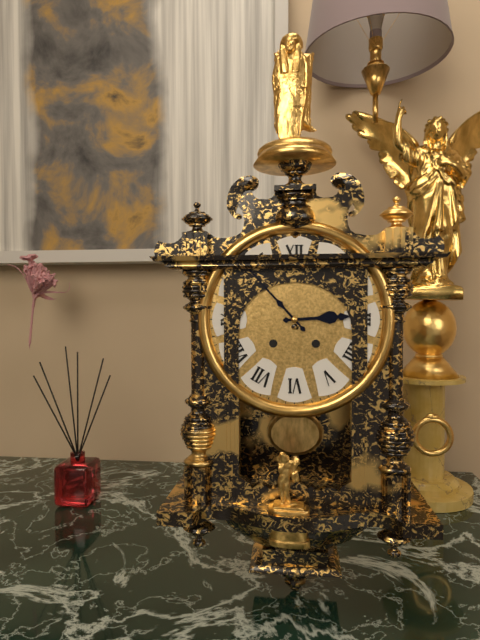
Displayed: **2:53**
